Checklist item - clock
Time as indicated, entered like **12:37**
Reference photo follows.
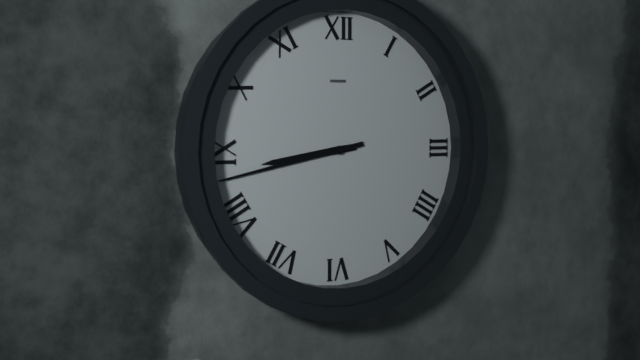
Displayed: **8:43**
